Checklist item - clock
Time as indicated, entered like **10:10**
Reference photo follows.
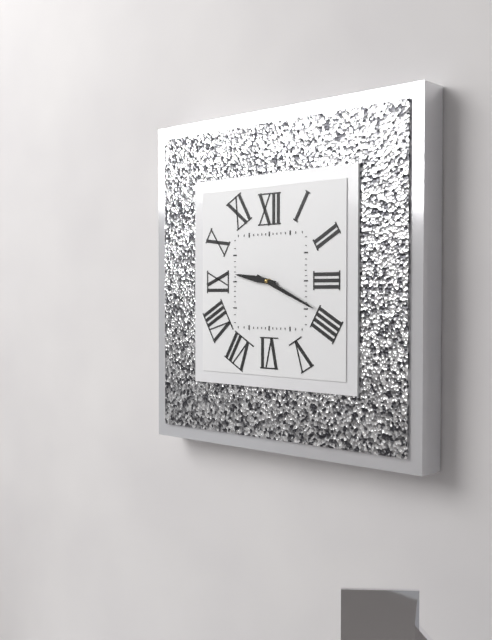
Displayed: **9:19**
